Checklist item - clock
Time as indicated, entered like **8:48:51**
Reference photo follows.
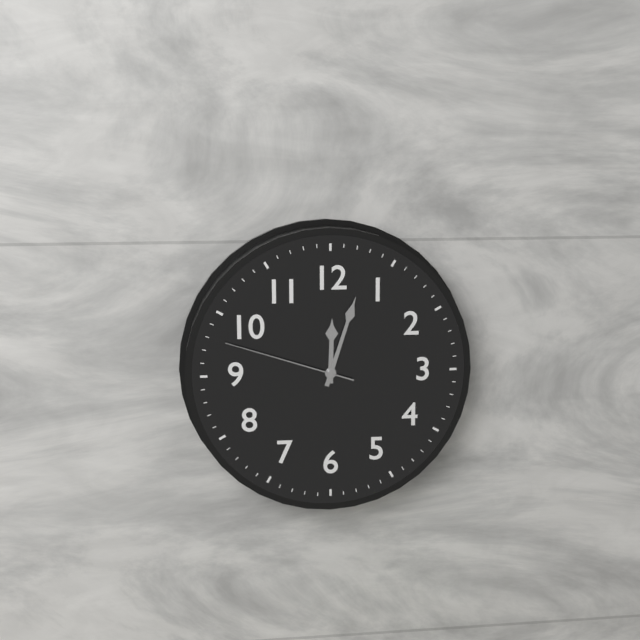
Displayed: **12:03:48**
